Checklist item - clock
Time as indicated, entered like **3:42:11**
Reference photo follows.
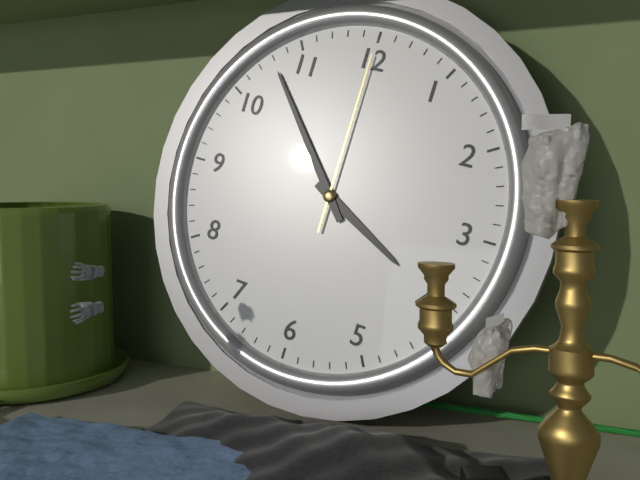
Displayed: **3:53:00**
